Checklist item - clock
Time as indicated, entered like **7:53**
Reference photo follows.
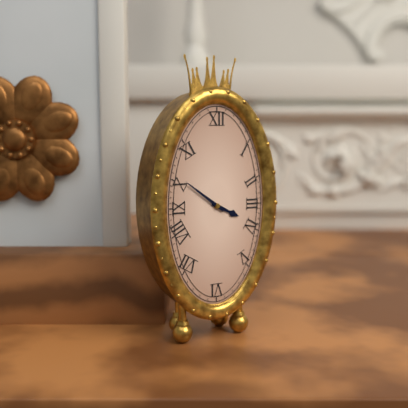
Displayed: **3:51**
